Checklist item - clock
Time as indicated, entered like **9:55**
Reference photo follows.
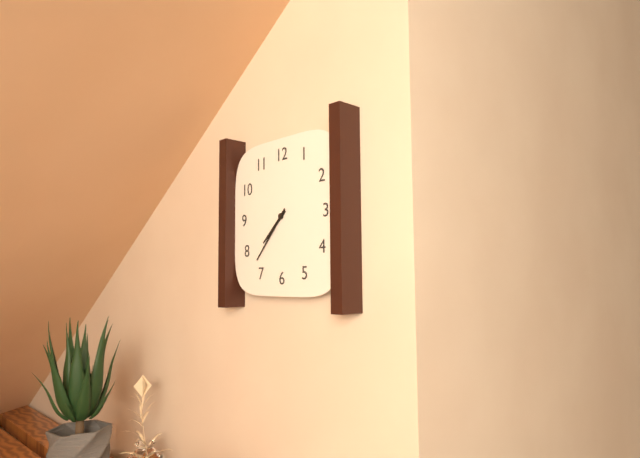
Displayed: **7:37**
